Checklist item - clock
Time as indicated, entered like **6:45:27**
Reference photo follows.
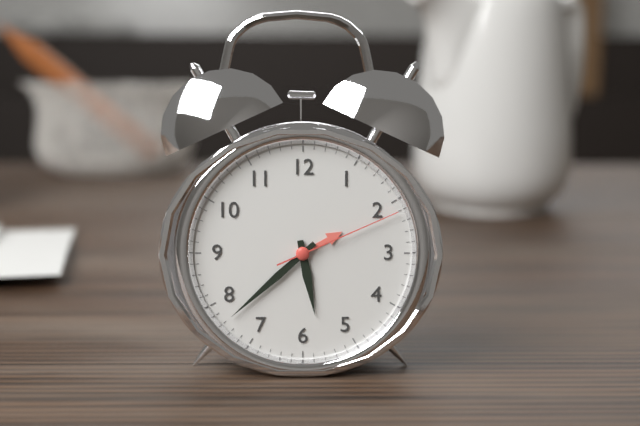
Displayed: **5:38:11**
